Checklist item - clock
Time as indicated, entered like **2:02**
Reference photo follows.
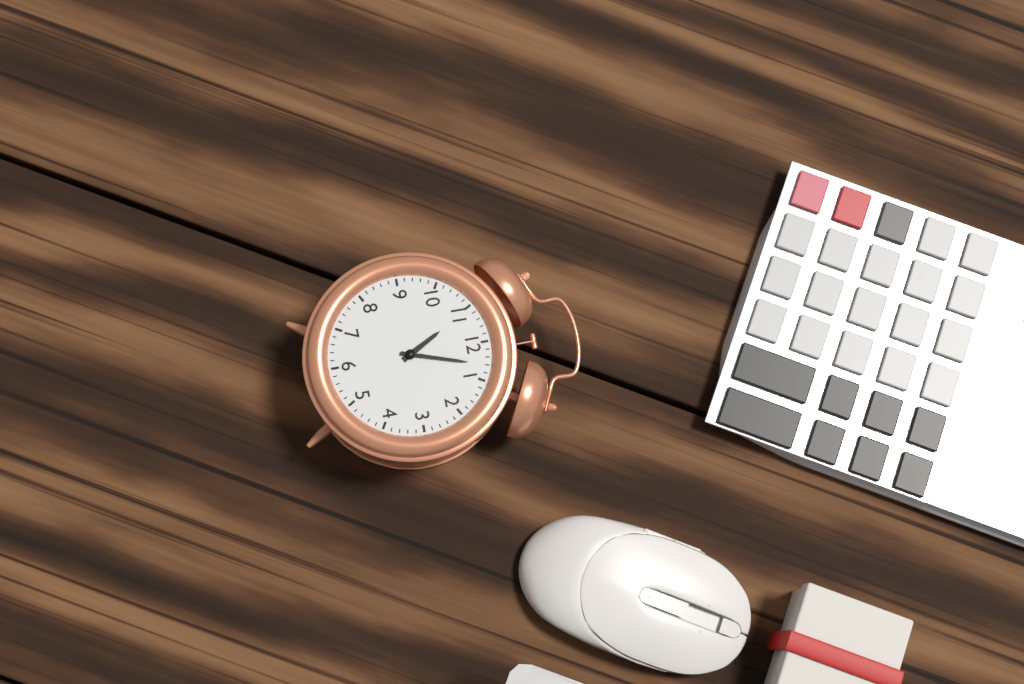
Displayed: **11:03**
